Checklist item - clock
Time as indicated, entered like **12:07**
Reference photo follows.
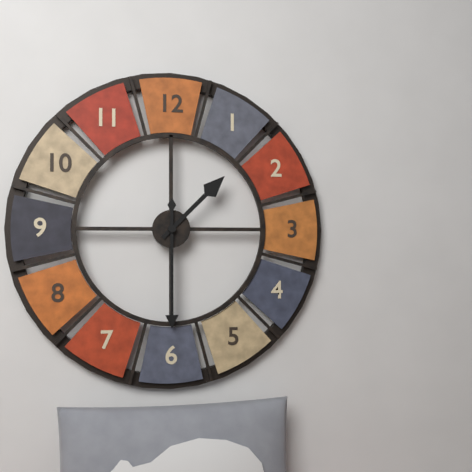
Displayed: **1:30**
